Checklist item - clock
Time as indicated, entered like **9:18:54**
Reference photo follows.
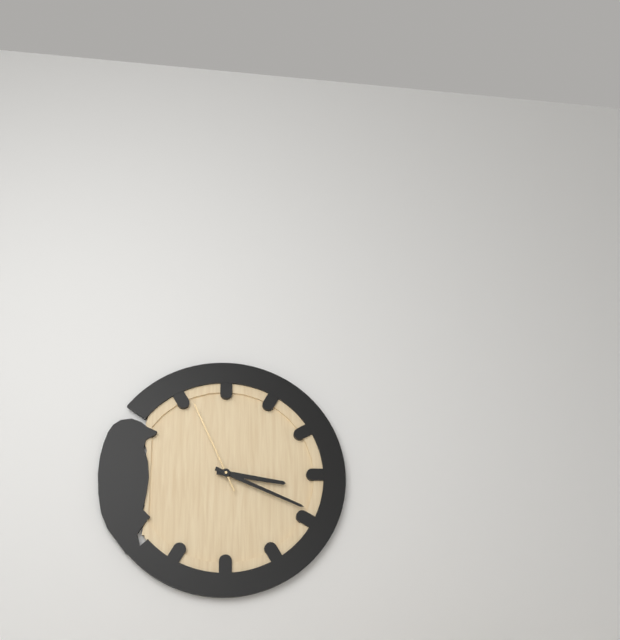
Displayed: **3:19:56**
